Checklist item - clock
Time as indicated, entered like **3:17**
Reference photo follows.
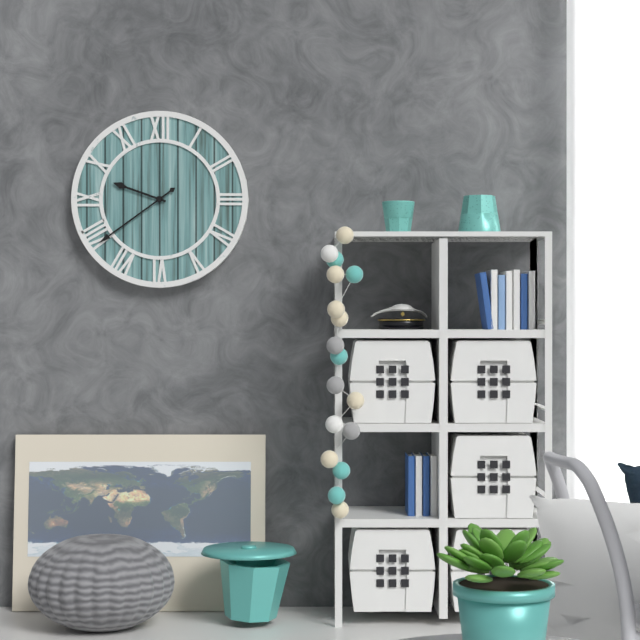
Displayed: **9:39**
